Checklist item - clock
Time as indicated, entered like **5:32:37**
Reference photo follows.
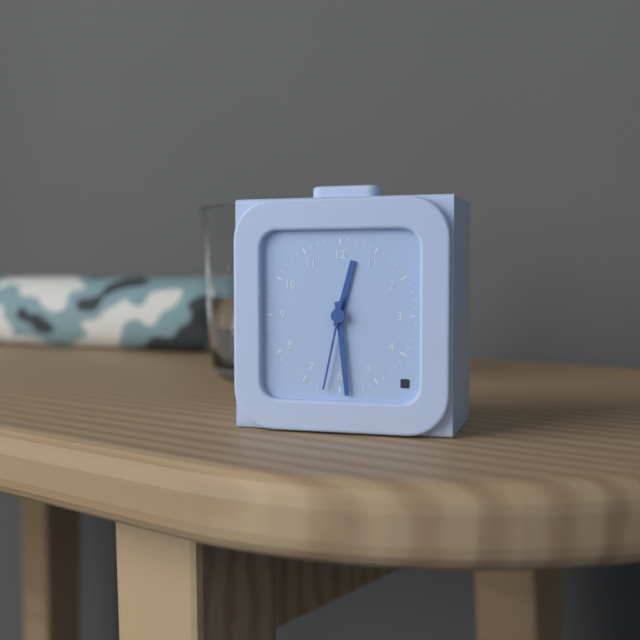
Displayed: **12:29:32**
